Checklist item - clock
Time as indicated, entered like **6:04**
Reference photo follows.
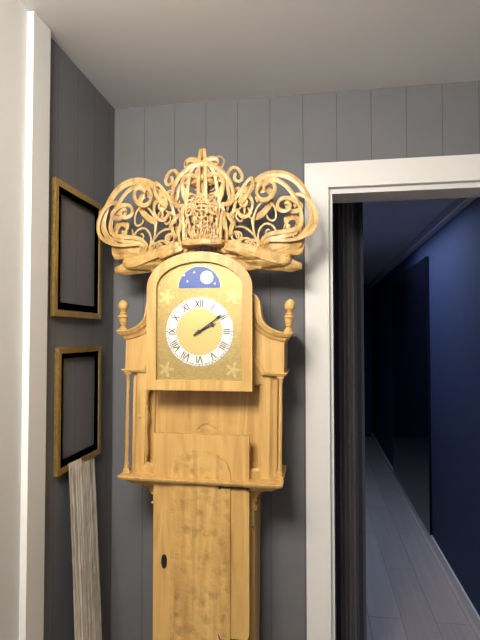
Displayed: **2:09**
